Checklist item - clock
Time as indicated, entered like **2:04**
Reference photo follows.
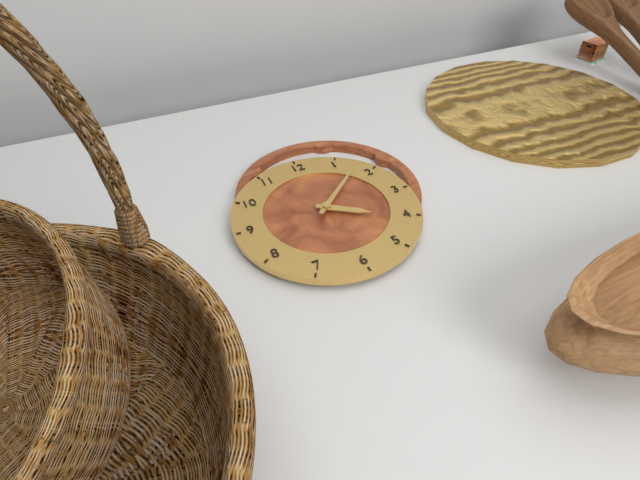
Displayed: **4:08**
